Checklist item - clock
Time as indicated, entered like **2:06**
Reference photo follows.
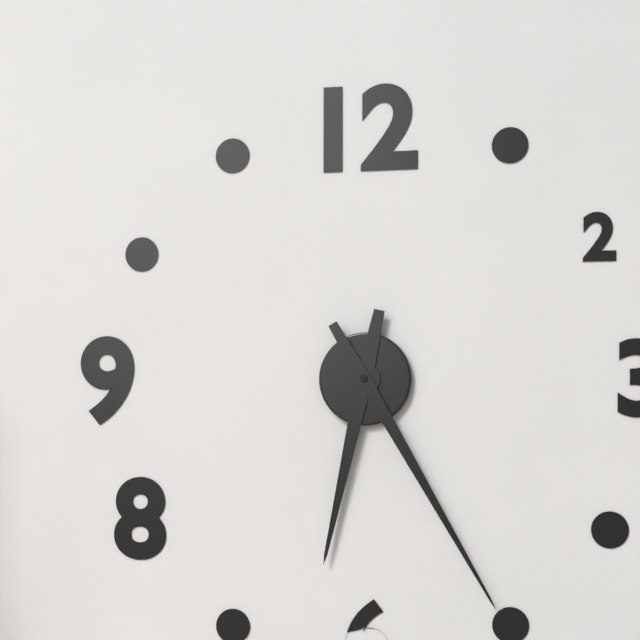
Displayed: **6:25**
